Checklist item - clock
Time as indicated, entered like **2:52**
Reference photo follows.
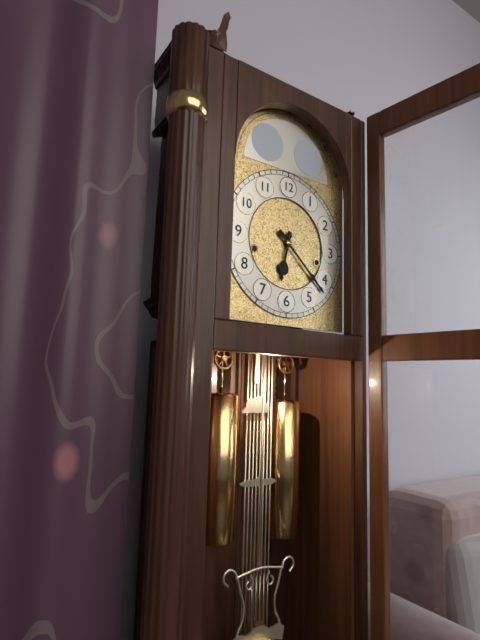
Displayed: **6:22**
